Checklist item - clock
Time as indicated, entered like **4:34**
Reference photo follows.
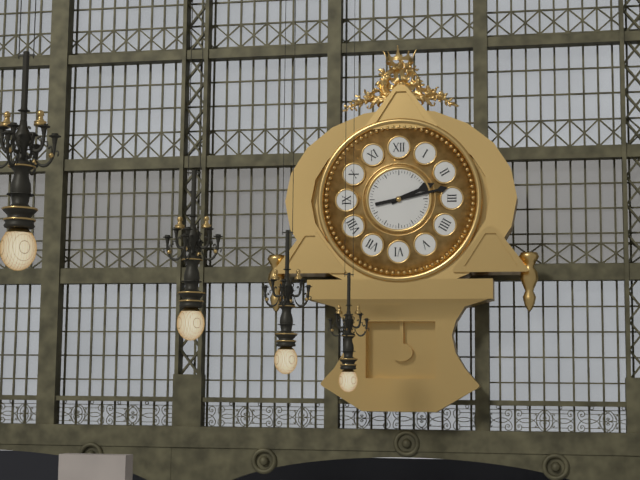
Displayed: **2:13**
